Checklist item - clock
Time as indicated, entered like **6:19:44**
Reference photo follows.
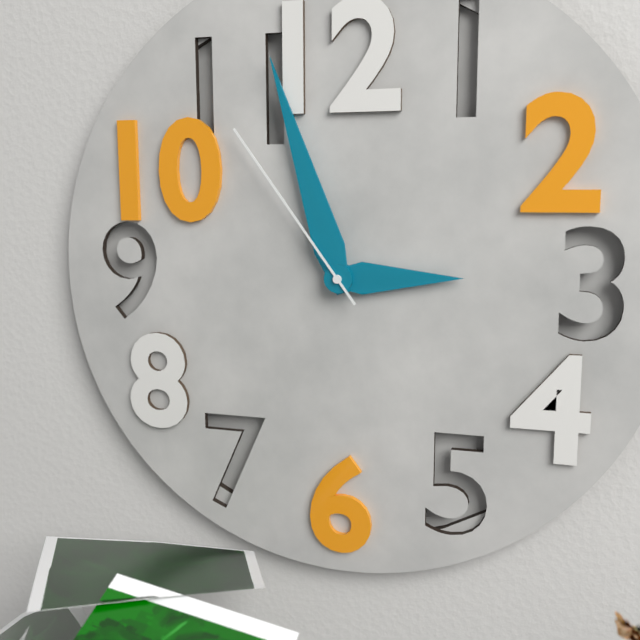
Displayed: **2:57:54**
